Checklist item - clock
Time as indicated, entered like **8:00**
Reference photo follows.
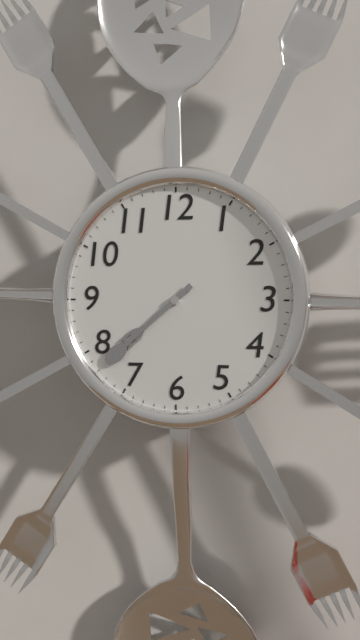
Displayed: **7:38**
